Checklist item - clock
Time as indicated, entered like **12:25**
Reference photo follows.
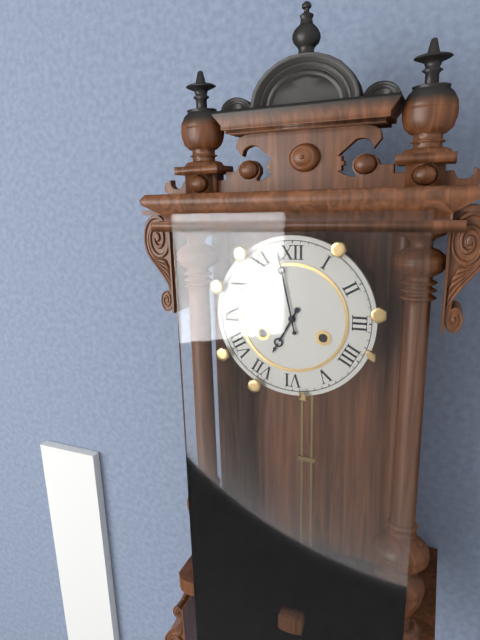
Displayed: **6:58**
